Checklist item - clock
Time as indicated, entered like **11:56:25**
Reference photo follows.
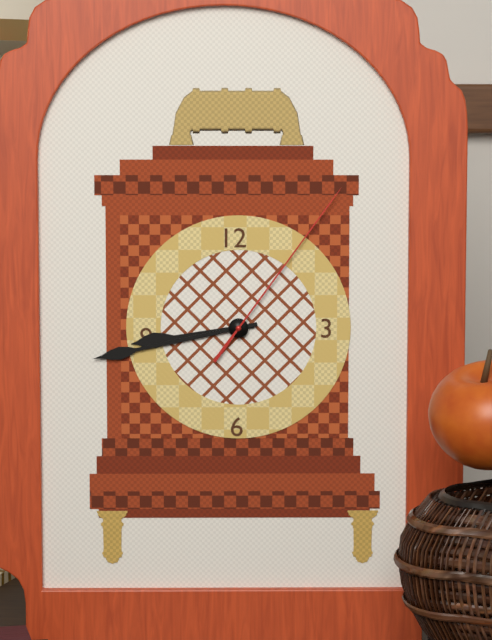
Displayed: **8:43:06**
